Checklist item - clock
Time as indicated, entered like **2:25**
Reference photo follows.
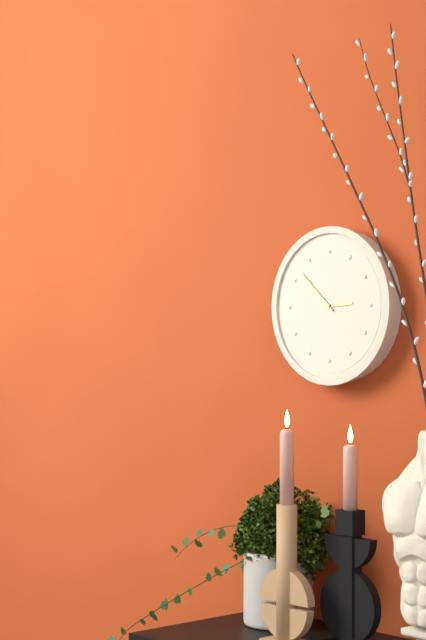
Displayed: **2:52**
